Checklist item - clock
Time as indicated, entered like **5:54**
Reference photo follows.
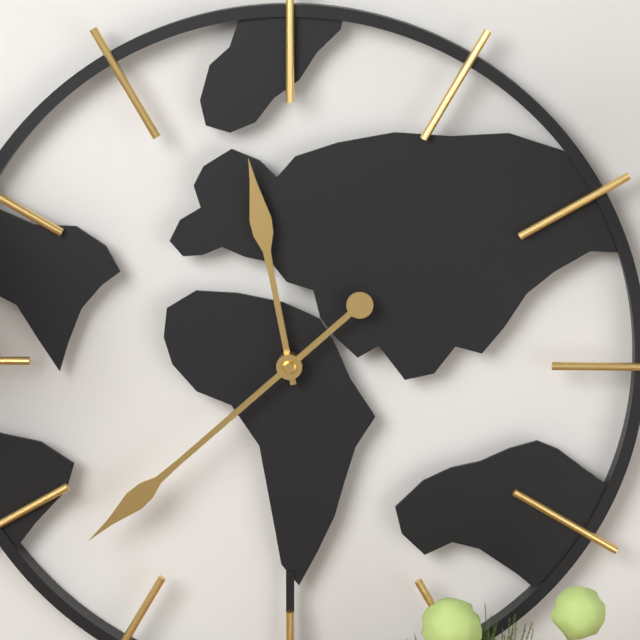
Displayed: **11:38**
